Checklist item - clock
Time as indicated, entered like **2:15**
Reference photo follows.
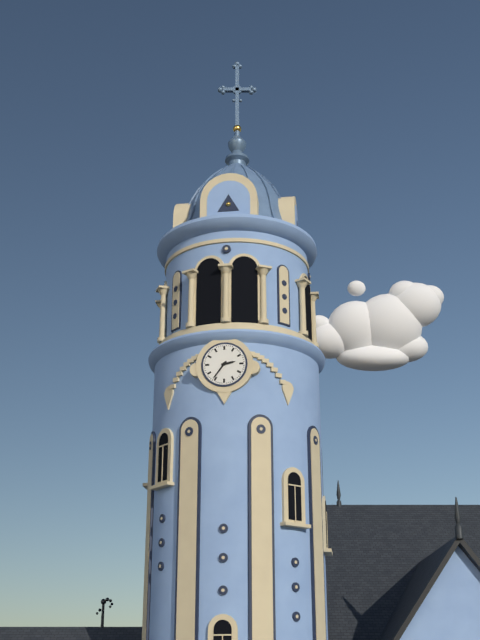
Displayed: **2:36**
